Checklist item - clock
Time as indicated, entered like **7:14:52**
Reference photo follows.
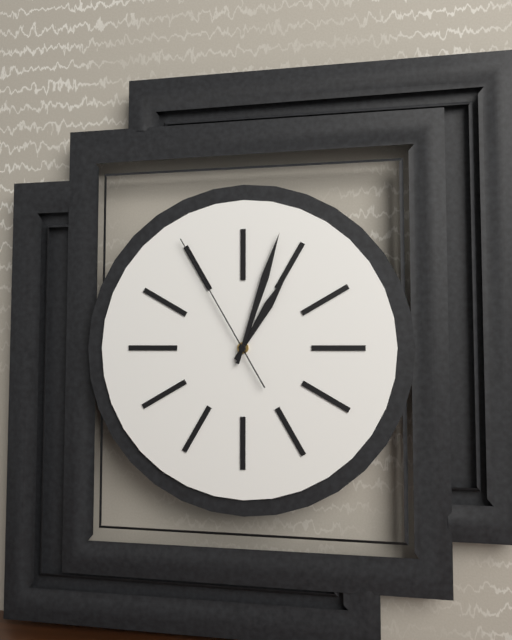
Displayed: **1:03:55**
